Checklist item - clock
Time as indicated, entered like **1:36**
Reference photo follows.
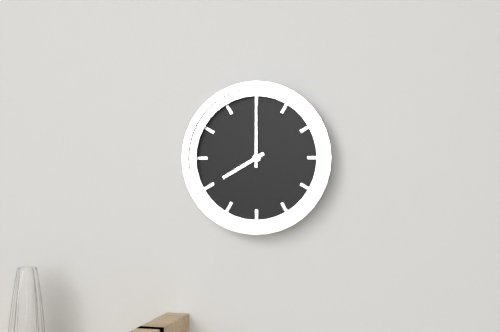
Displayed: **8:00**
